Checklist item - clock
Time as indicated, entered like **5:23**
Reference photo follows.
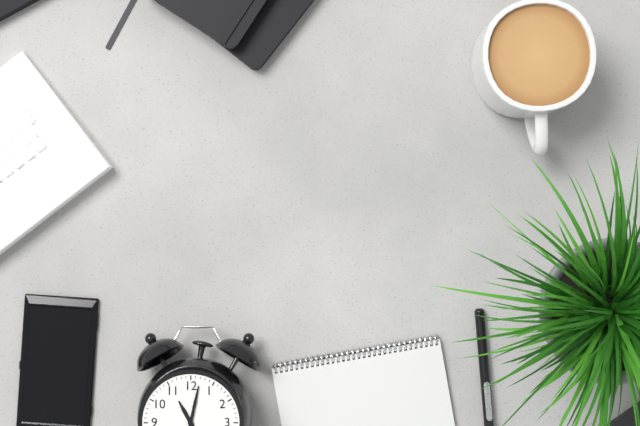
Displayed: **11:02**
